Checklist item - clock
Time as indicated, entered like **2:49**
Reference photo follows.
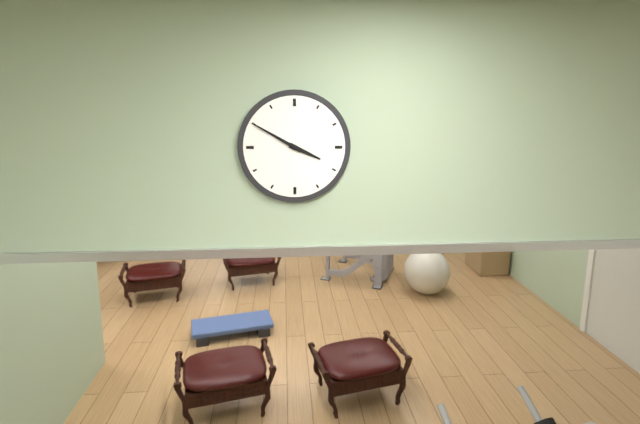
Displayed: **3:50**
